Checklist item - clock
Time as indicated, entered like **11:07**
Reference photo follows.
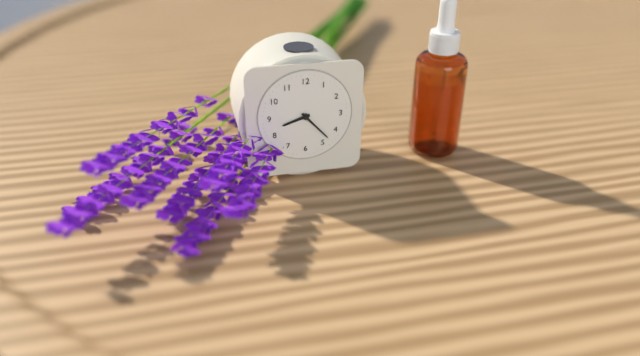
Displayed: **8:23**
